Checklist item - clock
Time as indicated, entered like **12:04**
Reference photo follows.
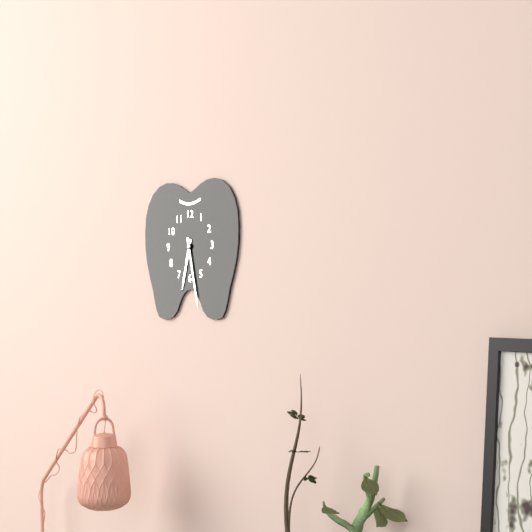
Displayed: **6:28**
